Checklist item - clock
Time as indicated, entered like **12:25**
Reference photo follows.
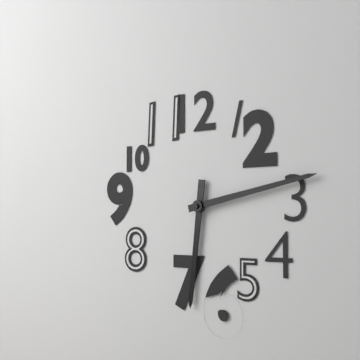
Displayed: **6:13**
